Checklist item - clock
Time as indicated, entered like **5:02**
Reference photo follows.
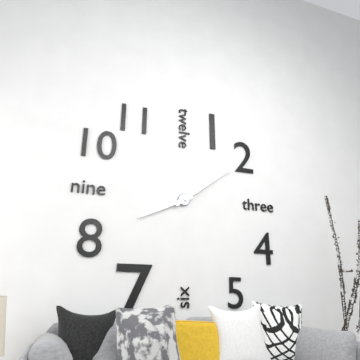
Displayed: **8:09**
